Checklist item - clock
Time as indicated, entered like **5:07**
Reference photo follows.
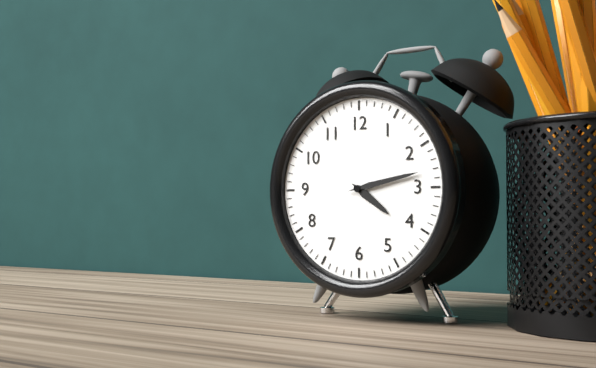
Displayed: **4:13**
